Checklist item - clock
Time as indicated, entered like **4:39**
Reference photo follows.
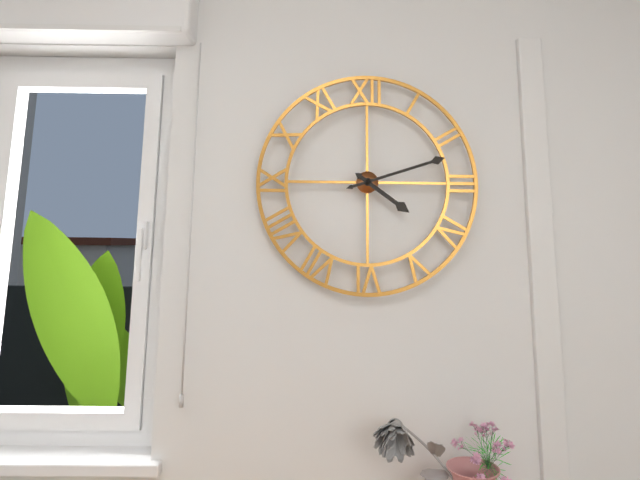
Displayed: **4:12**
